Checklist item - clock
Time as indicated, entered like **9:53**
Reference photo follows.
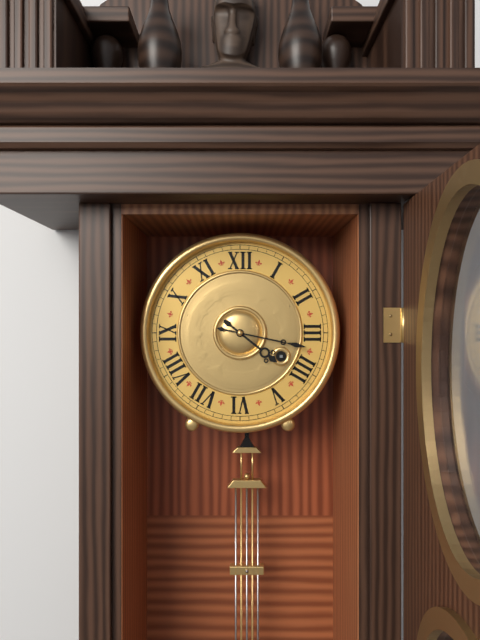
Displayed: **4:17**
